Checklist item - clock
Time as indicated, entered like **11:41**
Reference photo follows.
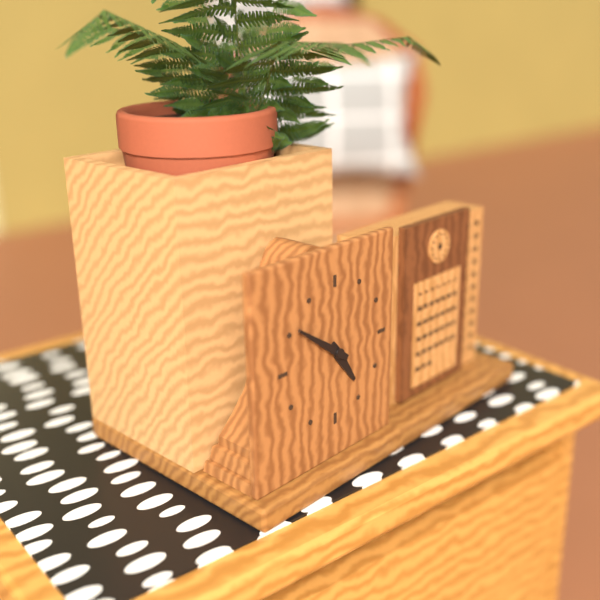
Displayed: **4:51**
